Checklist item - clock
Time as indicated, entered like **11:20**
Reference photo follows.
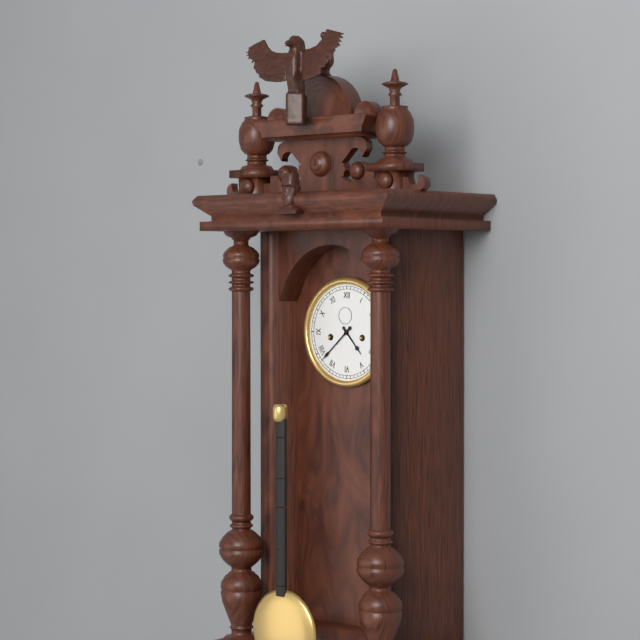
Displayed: **4:38**
